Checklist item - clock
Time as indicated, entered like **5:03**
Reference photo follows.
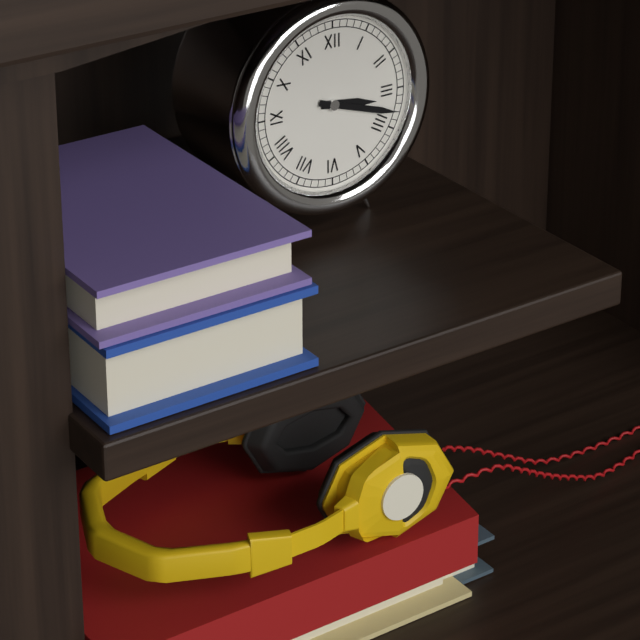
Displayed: **3:18**
